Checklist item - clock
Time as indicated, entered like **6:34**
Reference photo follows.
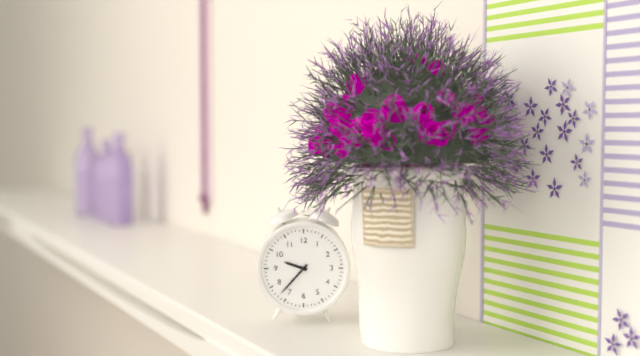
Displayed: **9:37**
